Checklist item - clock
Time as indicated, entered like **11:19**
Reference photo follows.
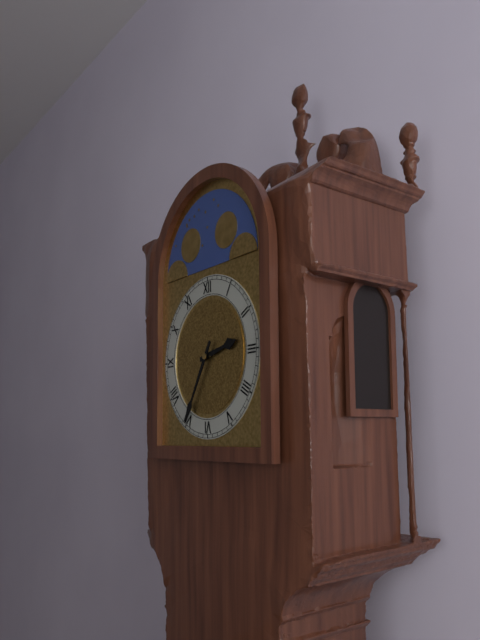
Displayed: **2:35**
